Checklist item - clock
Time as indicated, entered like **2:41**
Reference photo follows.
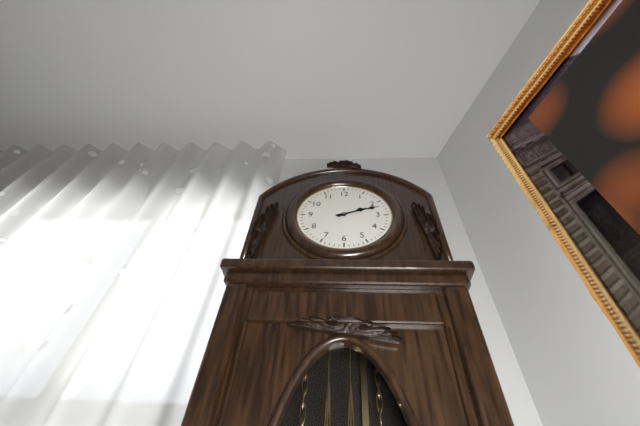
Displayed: **2:12**
